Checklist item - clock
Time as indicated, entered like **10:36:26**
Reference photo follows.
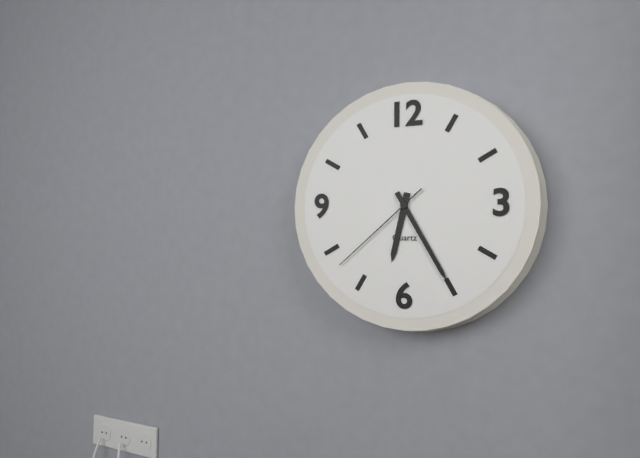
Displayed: **6:25:38**
